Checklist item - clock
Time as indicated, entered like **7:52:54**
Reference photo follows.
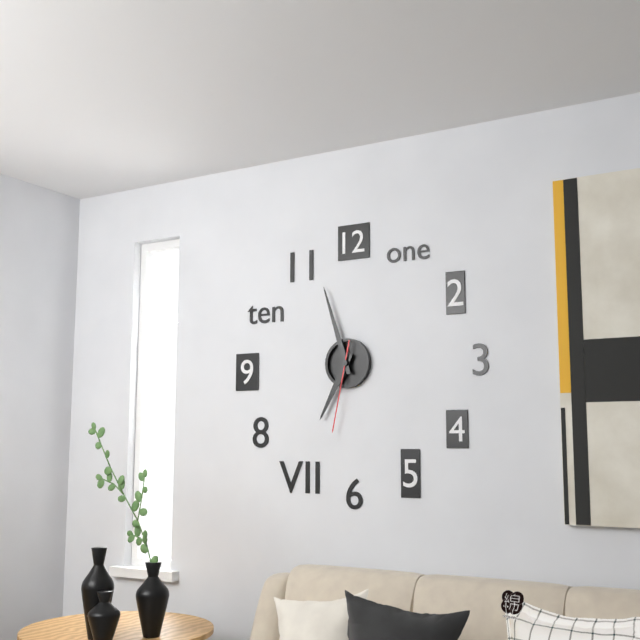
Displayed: **6:57:32**
